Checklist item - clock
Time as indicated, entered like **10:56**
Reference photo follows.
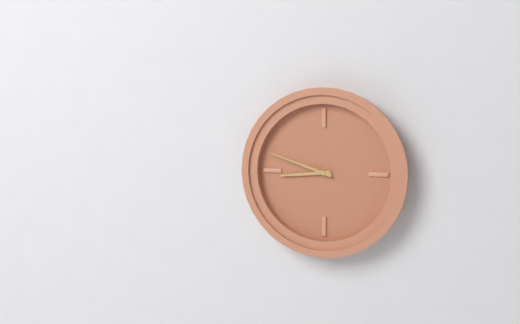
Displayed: **8:48**
